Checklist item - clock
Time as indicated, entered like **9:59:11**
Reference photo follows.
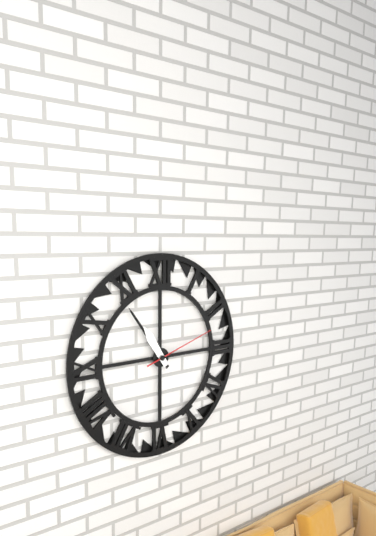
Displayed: **10:54:12**
